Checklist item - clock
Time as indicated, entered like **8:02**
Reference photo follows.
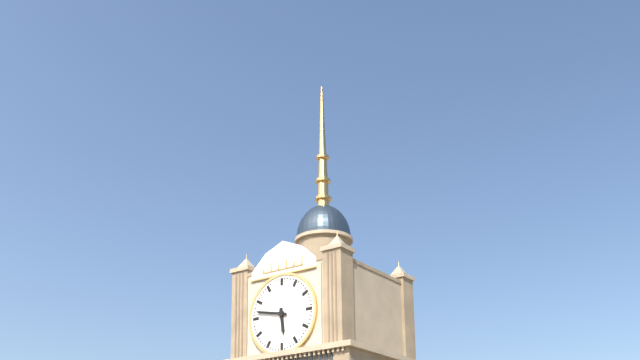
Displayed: **5:47**
